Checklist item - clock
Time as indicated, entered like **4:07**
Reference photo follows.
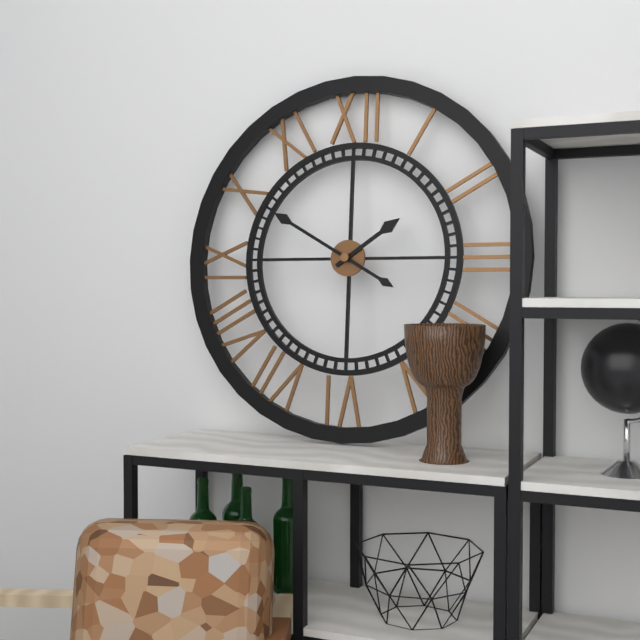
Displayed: **1:50**
